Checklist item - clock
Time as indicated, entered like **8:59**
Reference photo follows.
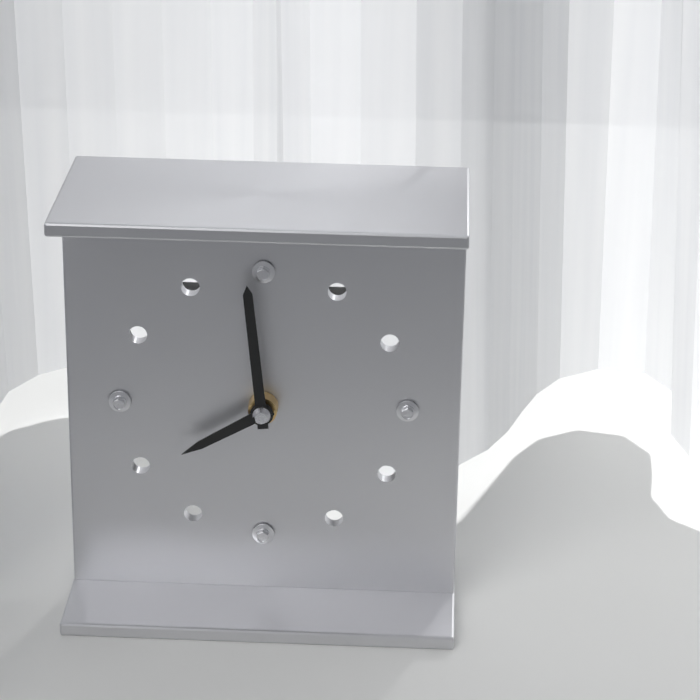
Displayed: **7:59**
